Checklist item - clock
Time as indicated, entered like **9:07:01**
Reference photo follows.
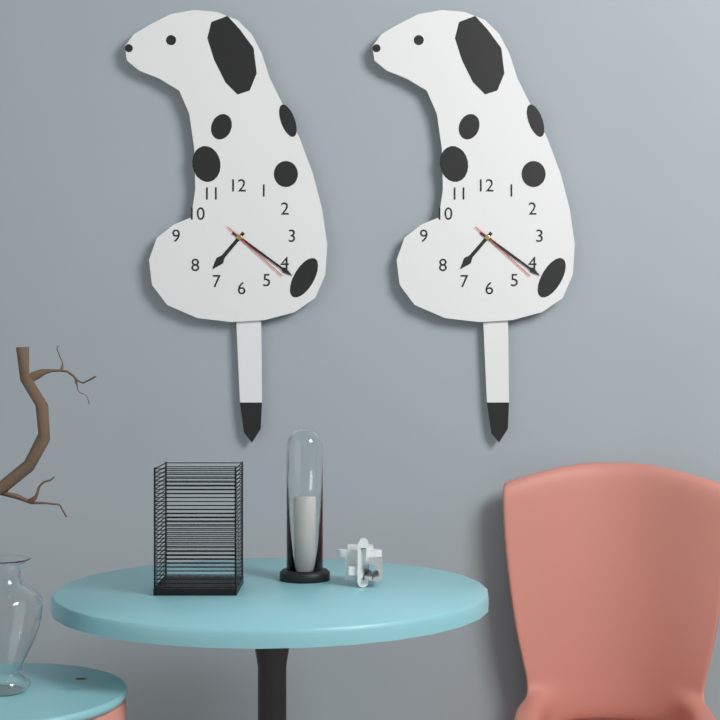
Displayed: **7:21:22**
